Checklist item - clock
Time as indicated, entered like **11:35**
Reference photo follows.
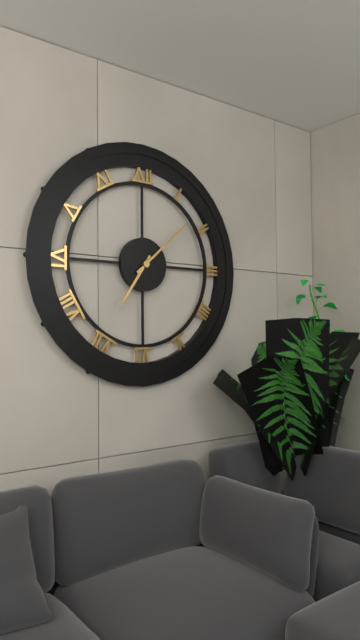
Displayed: **7:08**
